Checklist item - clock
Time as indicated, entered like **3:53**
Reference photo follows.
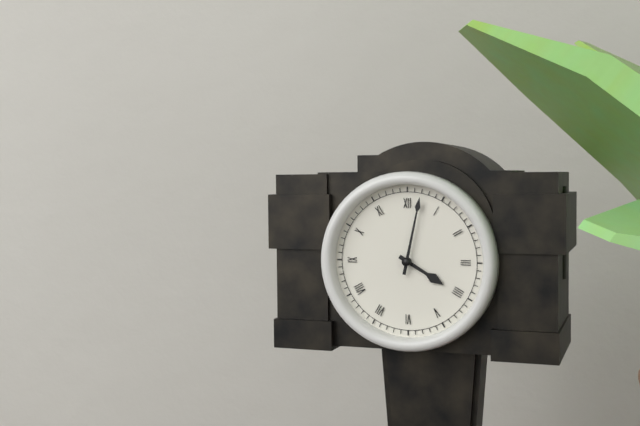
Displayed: **4:02**
